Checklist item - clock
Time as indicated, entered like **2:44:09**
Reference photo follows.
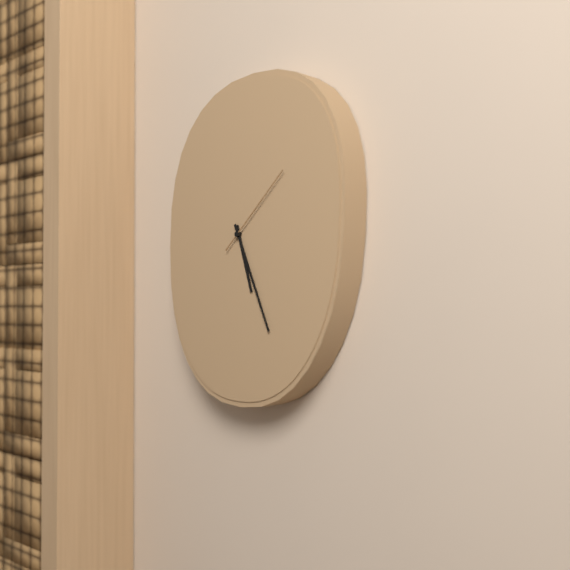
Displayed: **5:26:08**
